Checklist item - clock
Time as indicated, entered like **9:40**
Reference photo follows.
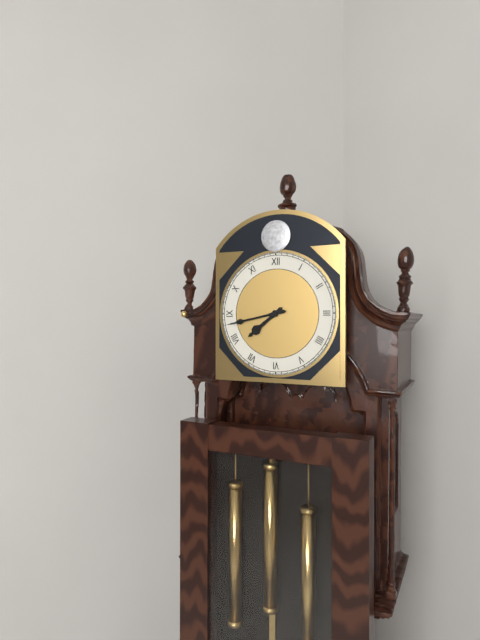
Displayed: **7:43**
